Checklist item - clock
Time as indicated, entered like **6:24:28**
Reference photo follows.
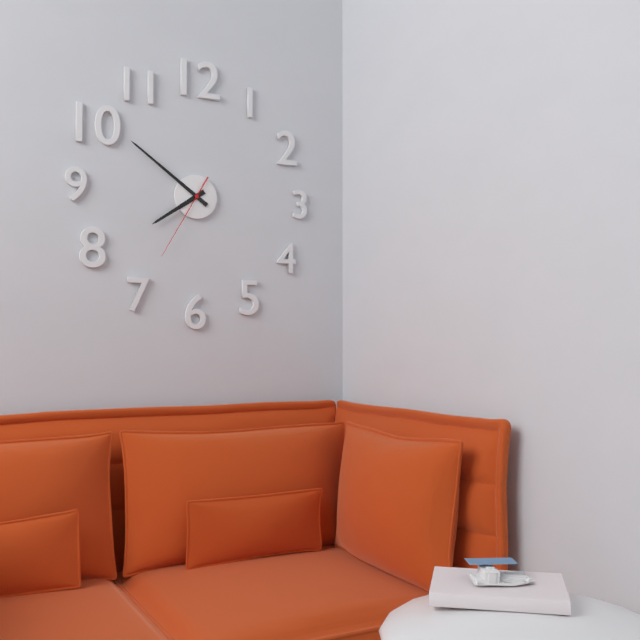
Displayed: **7:51:35**
